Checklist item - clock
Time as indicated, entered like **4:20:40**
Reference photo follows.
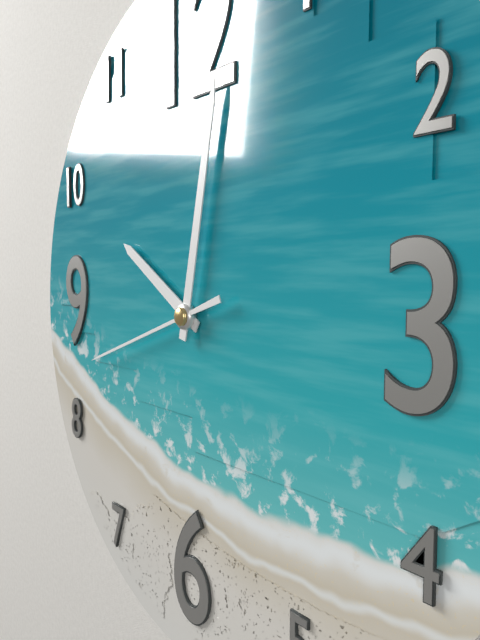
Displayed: **10:02:42**
